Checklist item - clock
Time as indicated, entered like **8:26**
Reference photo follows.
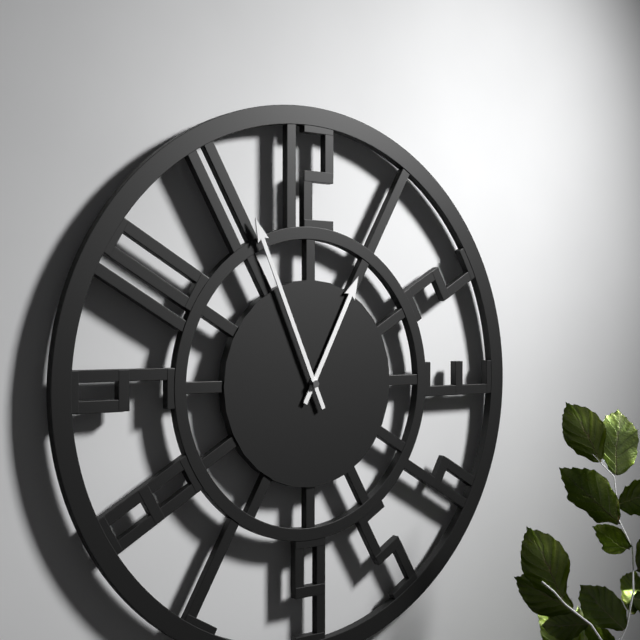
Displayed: **12:56**
